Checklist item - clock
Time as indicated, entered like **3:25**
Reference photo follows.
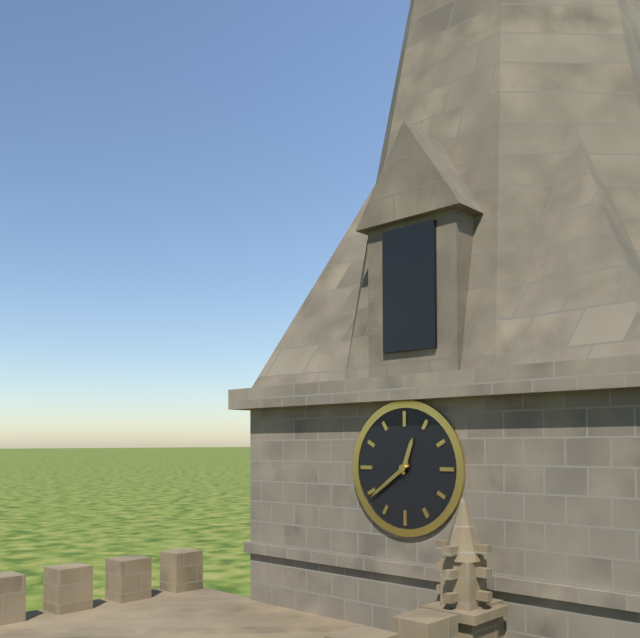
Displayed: **12:39**
